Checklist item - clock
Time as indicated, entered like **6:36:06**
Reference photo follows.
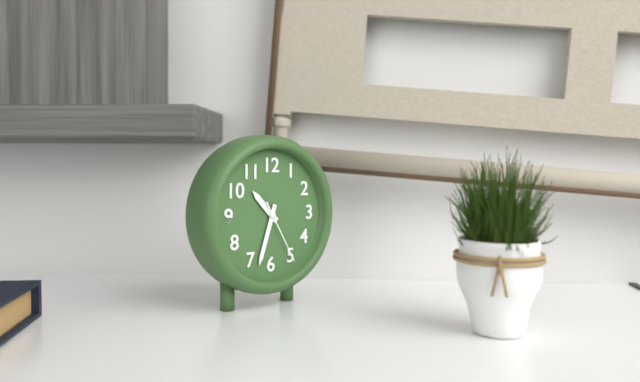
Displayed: **10:33:25**
